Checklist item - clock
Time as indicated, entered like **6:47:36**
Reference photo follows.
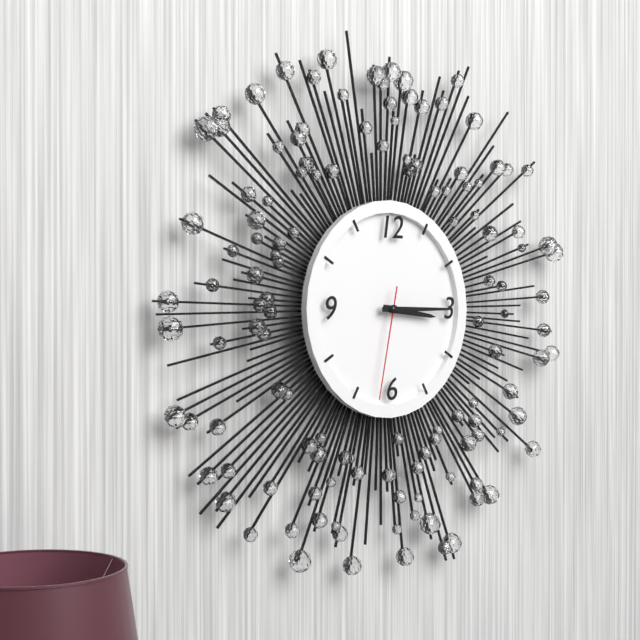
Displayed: **3:15:32**
